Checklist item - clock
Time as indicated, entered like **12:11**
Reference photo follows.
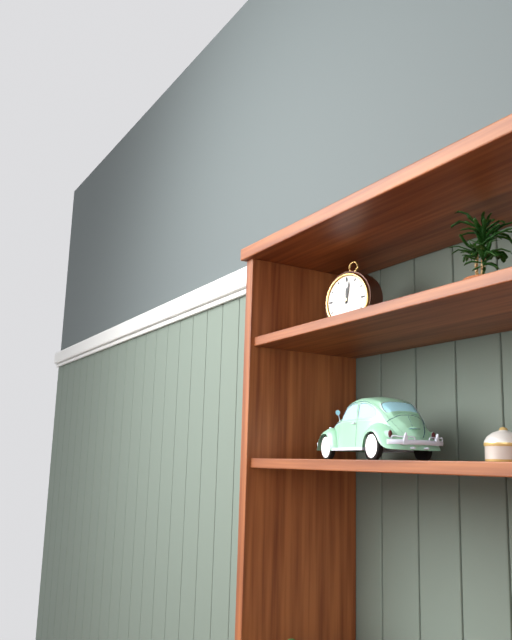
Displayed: **12:02**
